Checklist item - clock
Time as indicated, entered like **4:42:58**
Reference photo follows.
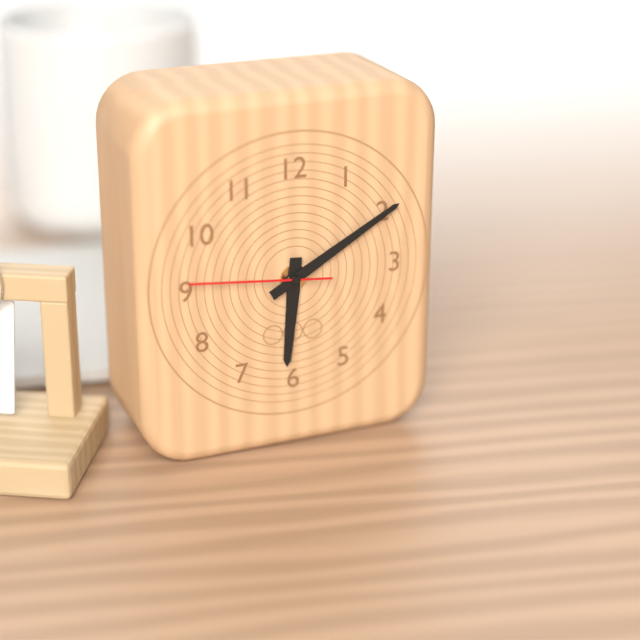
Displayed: **6:10:46**
